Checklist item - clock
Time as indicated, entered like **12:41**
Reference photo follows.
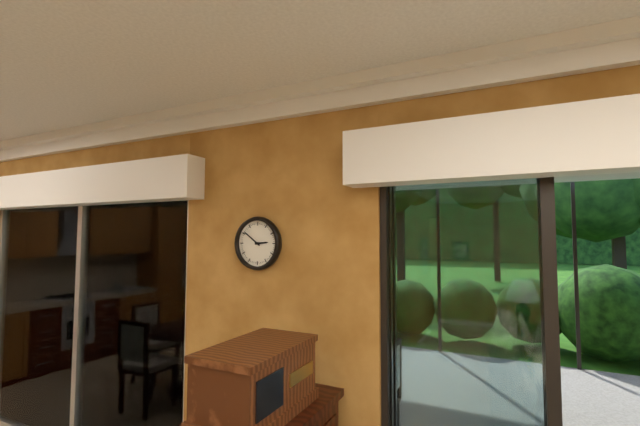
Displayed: **2:51**
